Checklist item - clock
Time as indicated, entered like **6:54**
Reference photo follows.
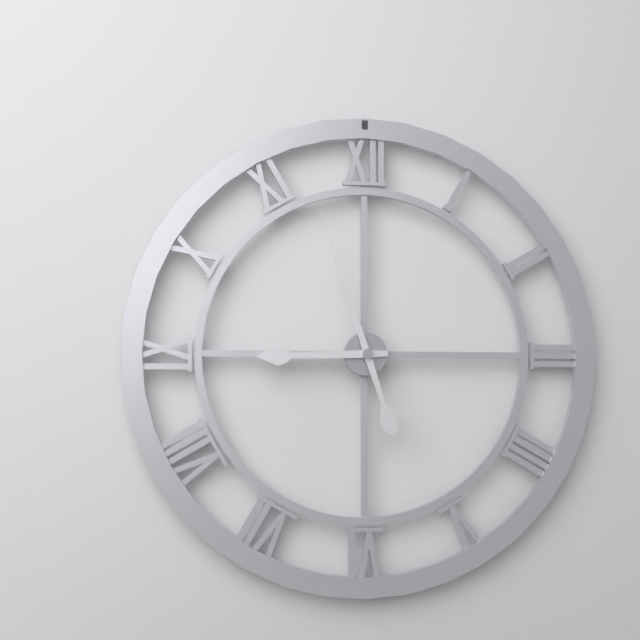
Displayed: **8:57**
